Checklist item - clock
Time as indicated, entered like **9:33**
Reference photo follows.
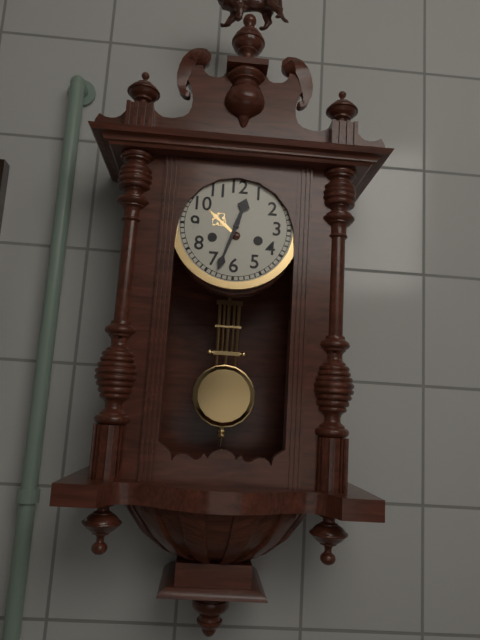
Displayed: **12:33**
